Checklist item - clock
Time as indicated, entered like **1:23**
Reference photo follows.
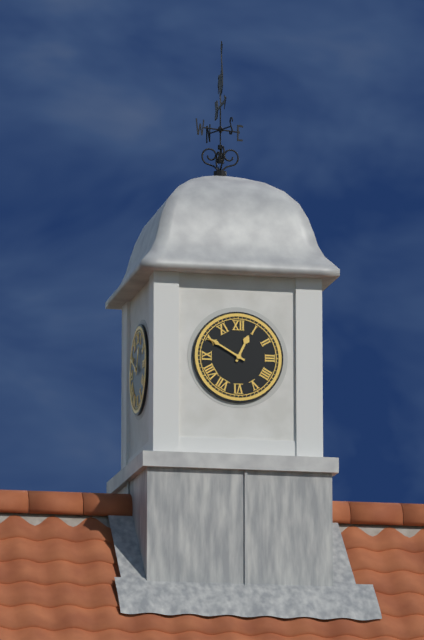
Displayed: **12:50**
